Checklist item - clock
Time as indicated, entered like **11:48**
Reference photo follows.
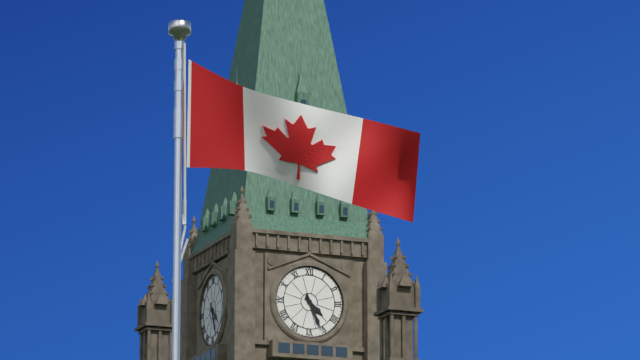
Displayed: **4:26**
